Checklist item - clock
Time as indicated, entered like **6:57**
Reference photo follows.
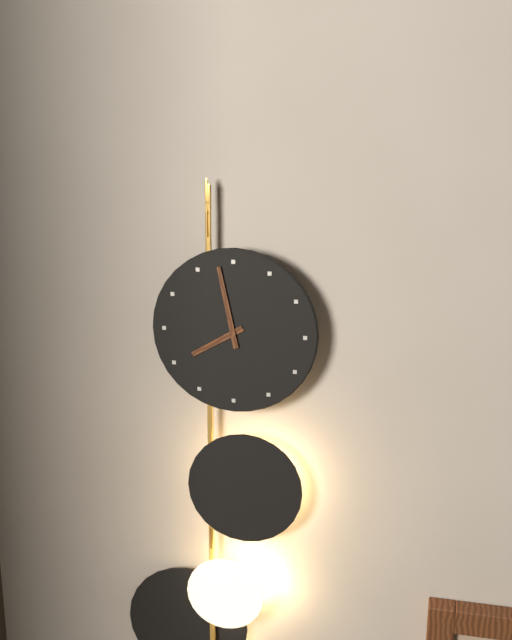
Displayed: **7:58**
